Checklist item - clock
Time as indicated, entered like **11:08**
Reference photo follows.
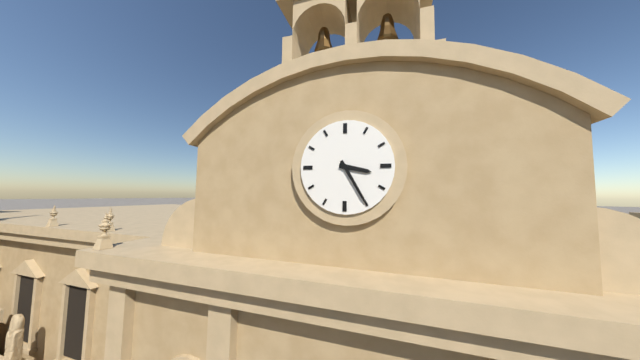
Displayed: **3:25**
